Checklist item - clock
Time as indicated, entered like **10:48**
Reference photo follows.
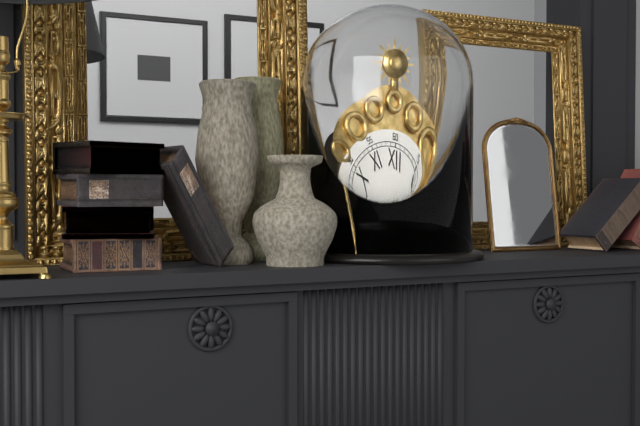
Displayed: **7:08**
